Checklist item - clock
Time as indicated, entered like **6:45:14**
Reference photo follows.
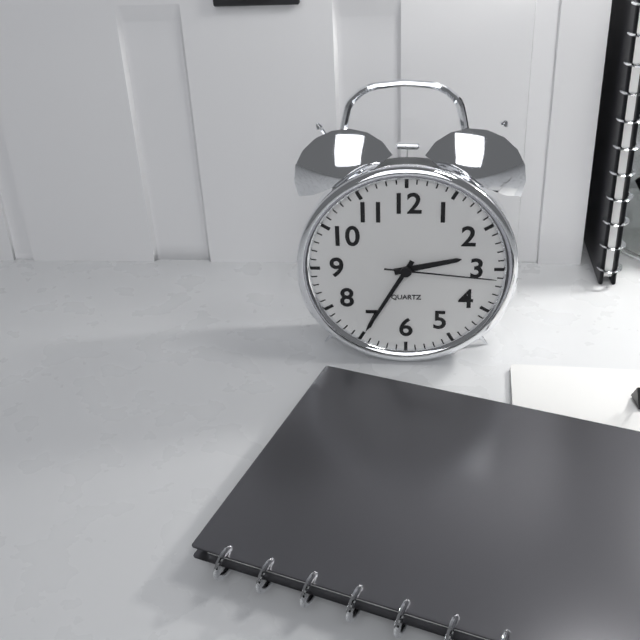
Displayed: **2:35:16**
